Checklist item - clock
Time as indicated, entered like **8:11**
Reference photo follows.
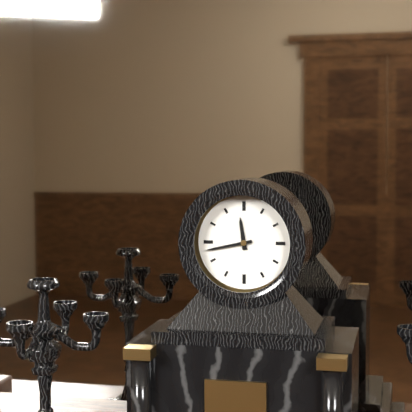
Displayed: **11:43**
